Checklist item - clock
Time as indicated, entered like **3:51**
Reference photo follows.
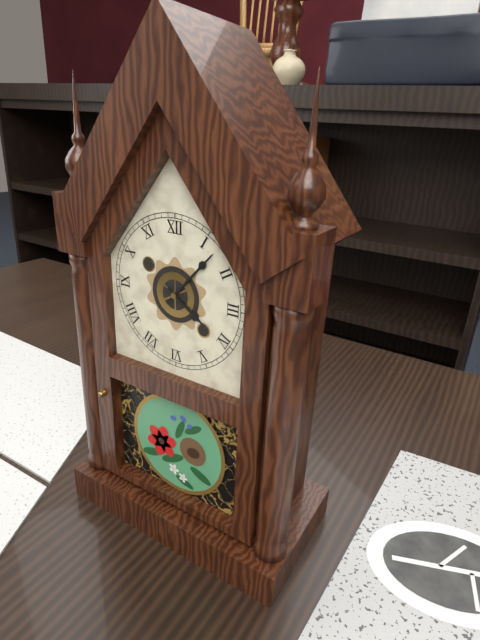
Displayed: **4:07**
